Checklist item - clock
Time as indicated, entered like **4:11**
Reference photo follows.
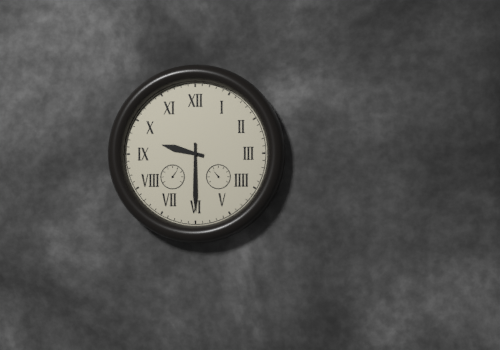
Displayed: **9:30**
